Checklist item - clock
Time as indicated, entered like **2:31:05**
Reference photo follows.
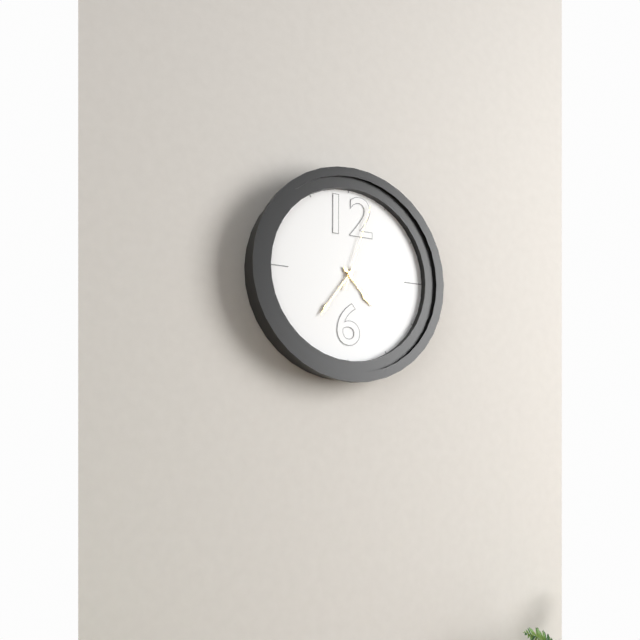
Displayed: **4:36:03**
